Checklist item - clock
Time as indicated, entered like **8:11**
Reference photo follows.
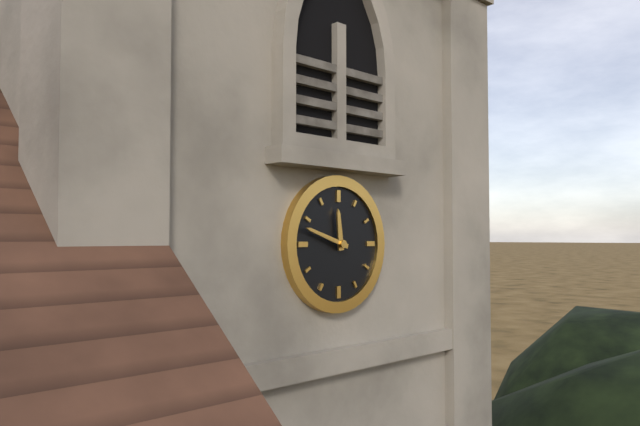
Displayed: **11:48**
